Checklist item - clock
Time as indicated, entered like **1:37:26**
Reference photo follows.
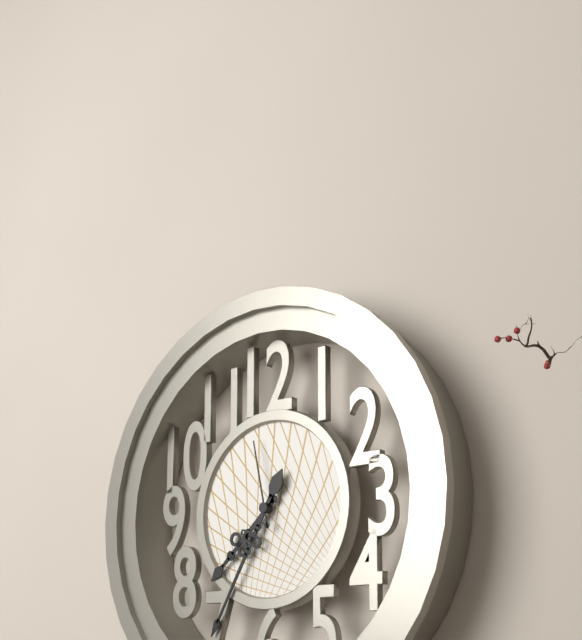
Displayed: **7:35:58**
